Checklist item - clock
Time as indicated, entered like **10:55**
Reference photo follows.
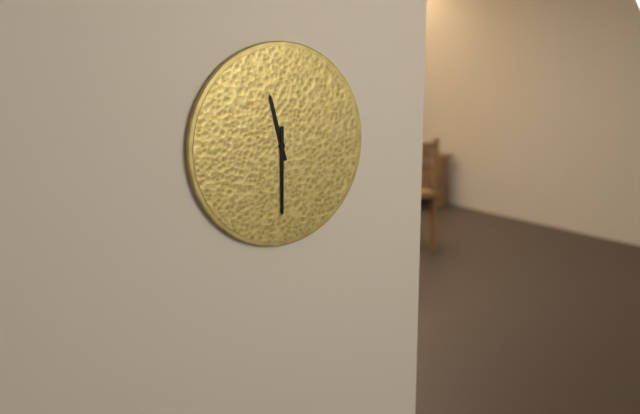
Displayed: **11:30**
